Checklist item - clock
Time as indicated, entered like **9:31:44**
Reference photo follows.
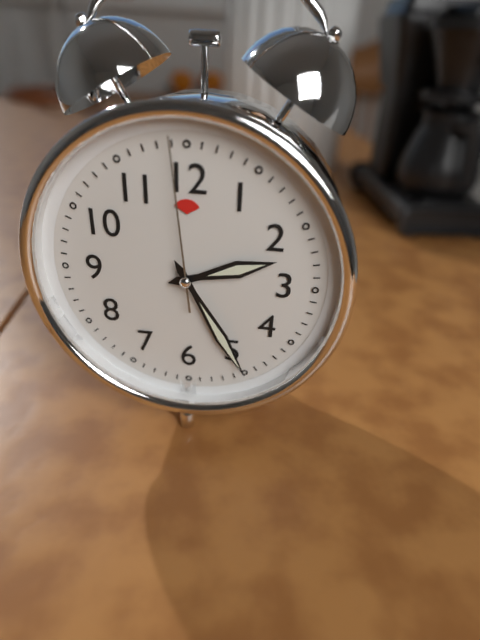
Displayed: **2:25:59**
